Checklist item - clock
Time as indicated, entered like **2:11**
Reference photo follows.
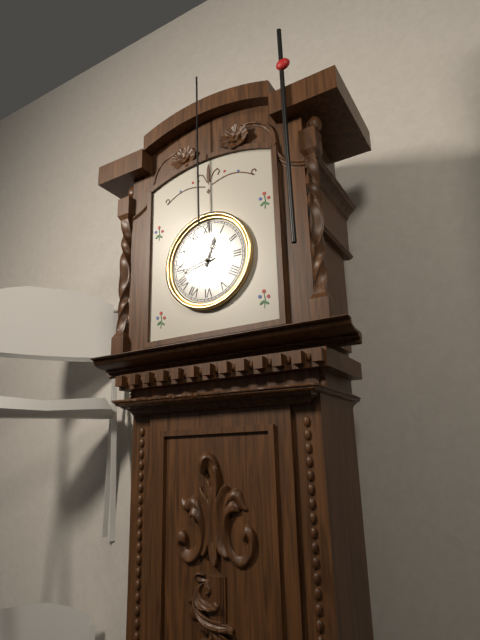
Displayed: **12:43**
